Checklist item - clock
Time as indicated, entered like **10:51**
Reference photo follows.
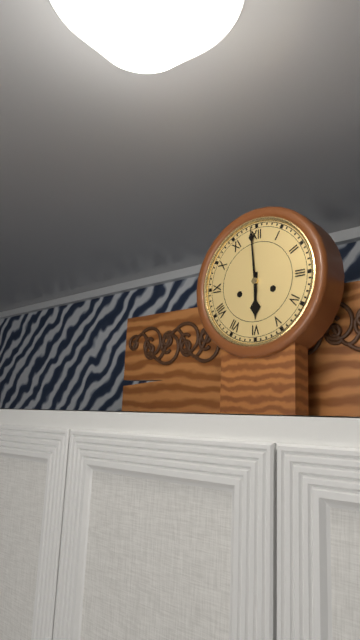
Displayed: **5:59**
